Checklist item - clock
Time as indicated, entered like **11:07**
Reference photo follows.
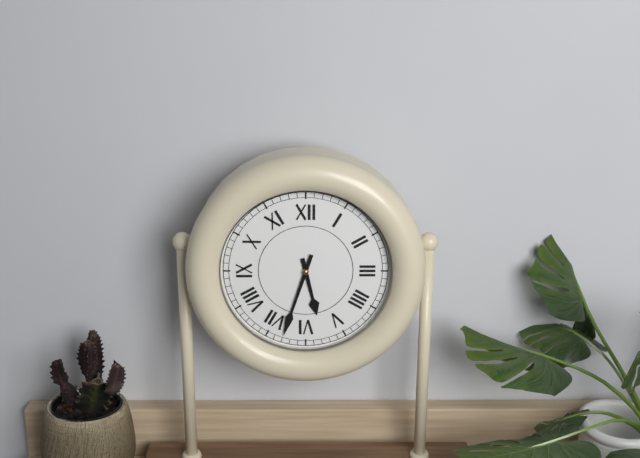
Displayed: **5:33**
